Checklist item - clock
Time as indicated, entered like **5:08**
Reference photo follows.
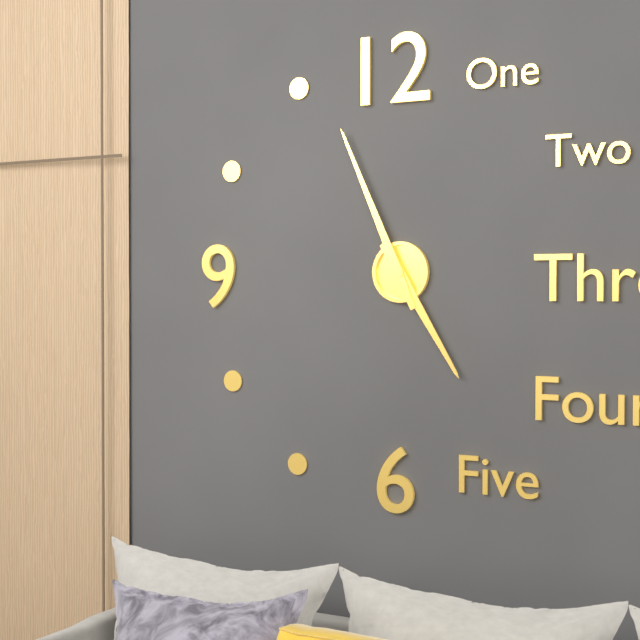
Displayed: **4:56**
